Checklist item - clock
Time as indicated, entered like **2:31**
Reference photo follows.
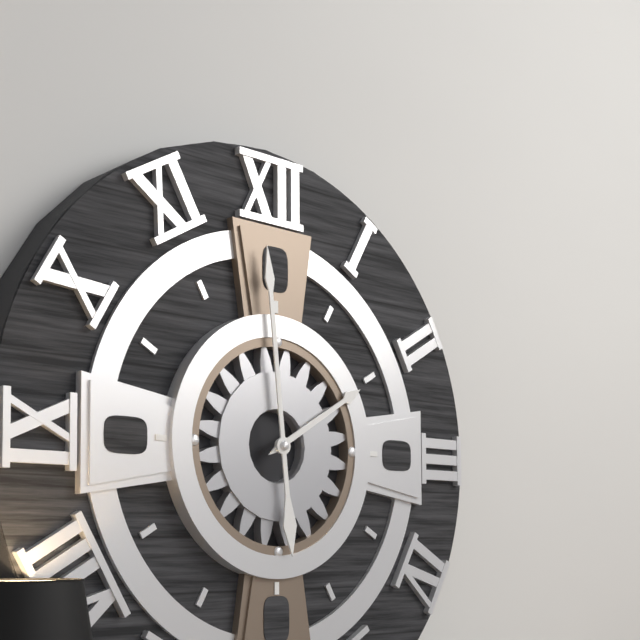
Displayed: **1:59**
